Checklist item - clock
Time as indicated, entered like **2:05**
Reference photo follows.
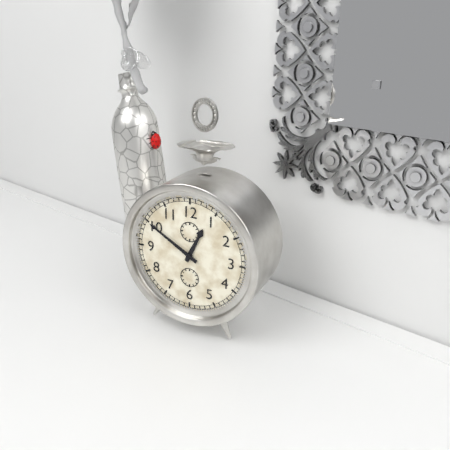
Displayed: **12:50**
